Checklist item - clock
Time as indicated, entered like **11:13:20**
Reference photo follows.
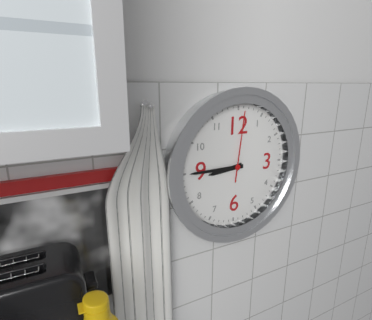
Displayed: **8:45:01**
